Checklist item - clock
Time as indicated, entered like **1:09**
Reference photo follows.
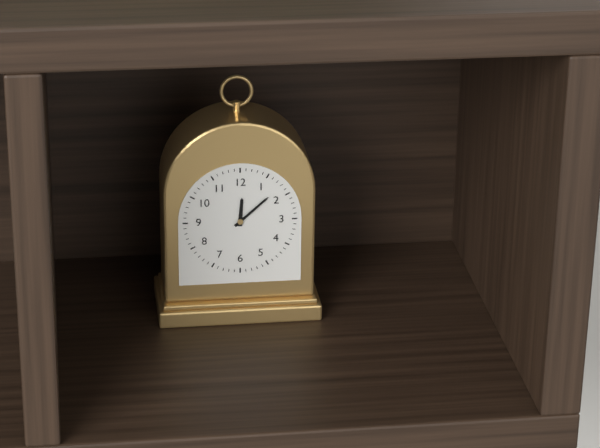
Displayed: **12:08**
